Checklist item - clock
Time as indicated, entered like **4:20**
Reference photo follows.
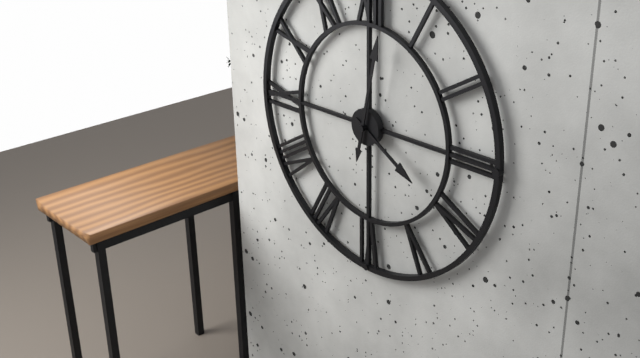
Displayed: **4:02**
